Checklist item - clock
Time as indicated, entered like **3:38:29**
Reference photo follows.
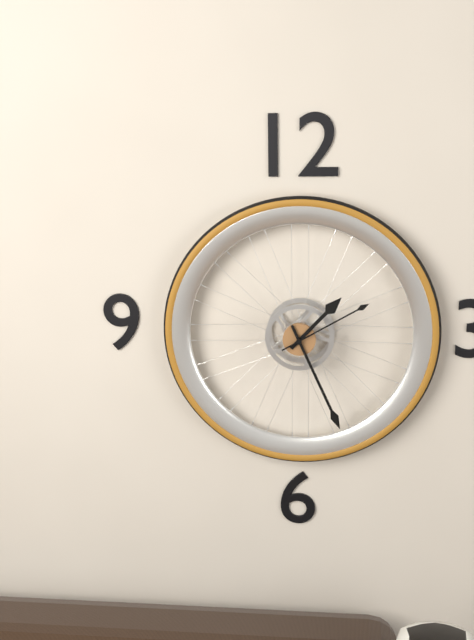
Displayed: **1:26:10**
